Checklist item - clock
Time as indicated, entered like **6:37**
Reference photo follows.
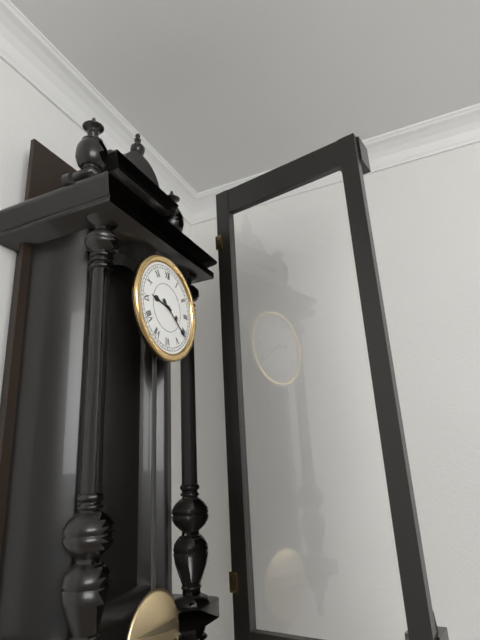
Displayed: **9:21**
